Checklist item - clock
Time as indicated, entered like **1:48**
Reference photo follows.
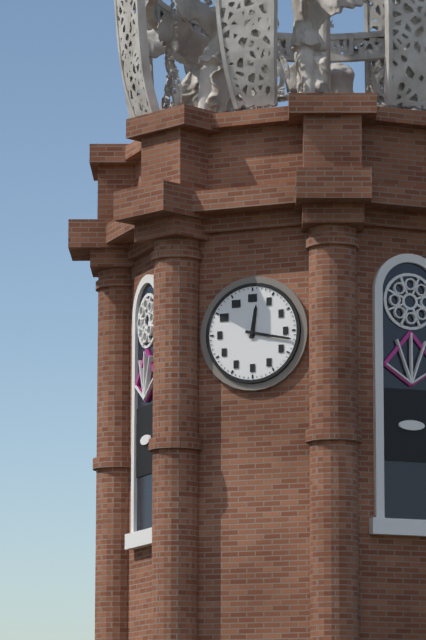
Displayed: **12:17**
